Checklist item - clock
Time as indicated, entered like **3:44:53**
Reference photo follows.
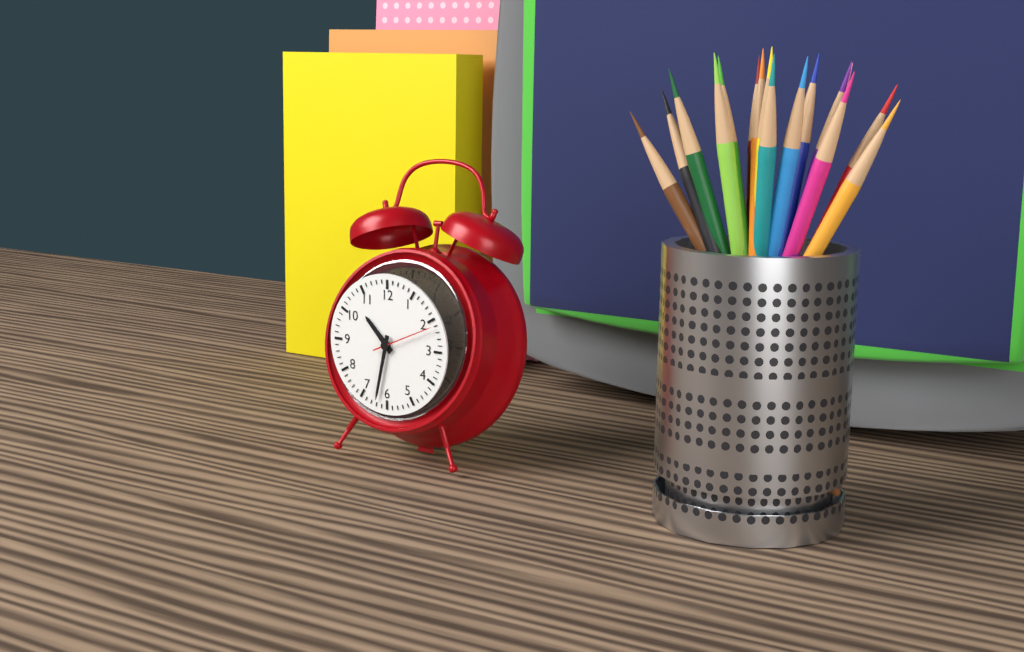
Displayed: **10:32:11**
